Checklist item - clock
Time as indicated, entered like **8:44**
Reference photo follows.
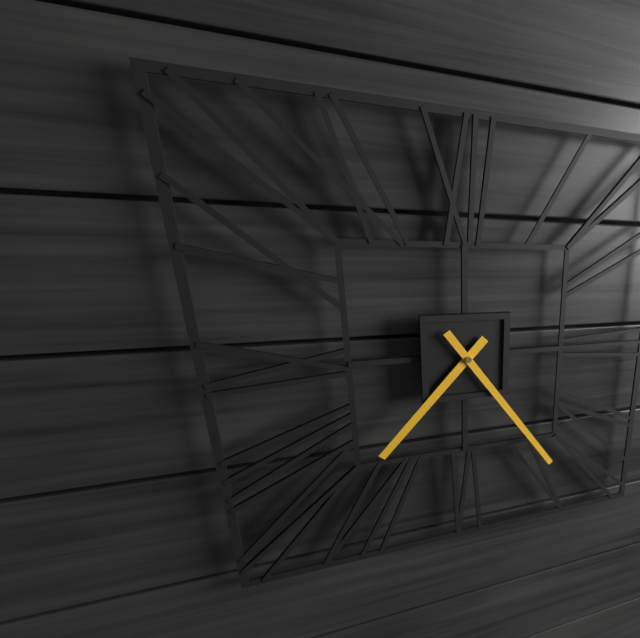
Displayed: **7:24**
